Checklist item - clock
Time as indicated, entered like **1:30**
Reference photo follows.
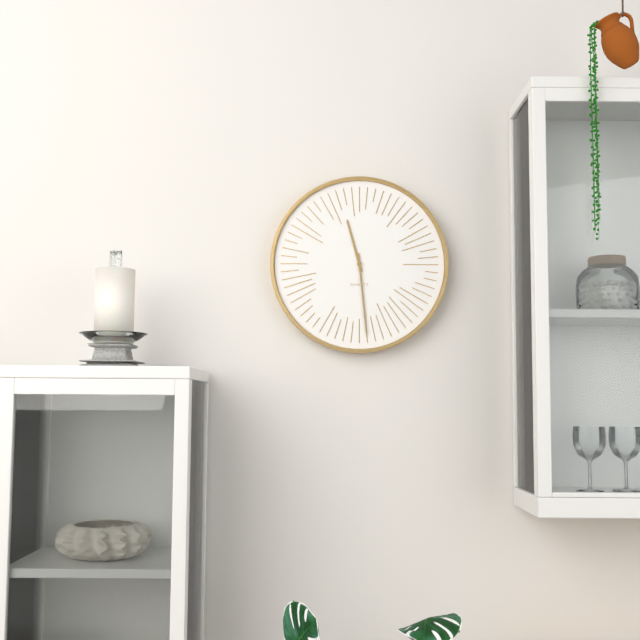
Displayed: **11:29**
